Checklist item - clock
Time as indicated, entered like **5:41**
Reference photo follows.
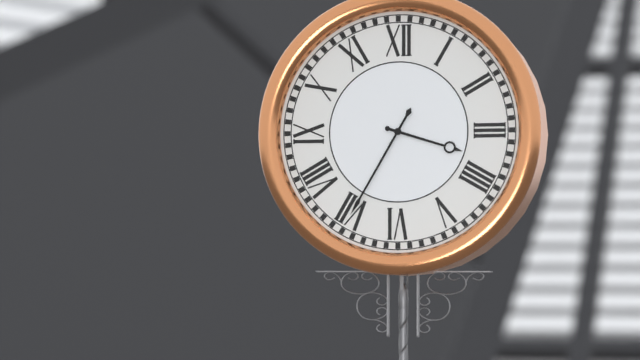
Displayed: **3:35**
